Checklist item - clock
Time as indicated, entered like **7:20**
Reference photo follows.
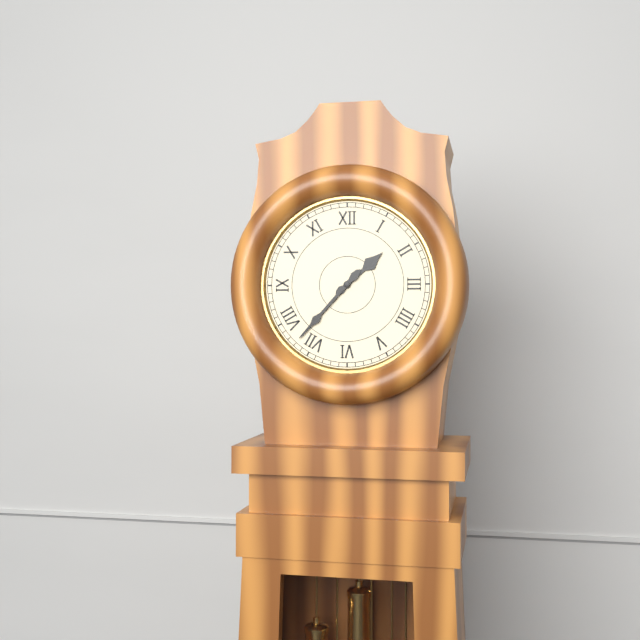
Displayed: **1:37**
